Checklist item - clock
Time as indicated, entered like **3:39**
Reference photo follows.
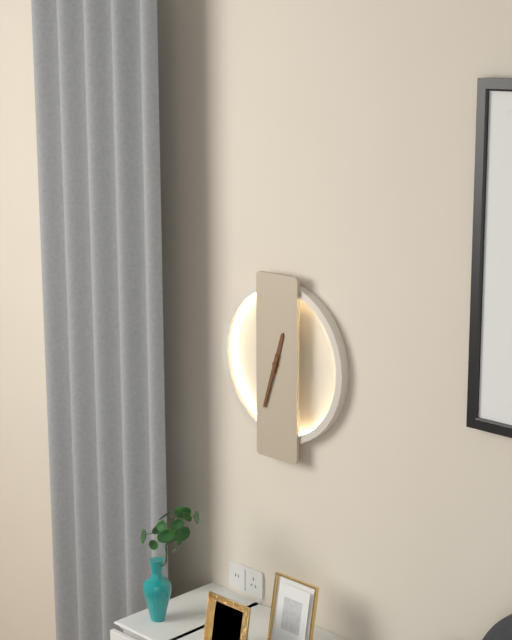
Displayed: **12:33**
